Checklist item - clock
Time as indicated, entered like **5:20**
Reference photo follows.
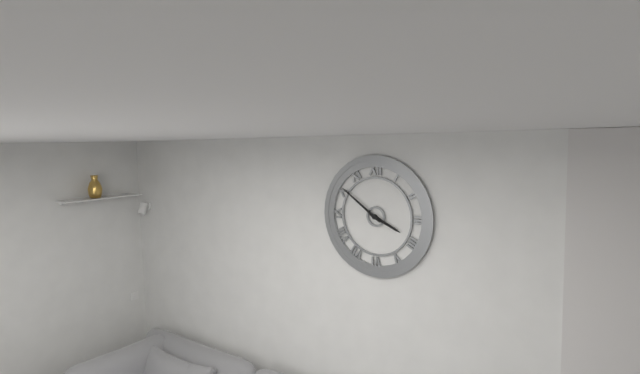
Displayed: **3:51**
